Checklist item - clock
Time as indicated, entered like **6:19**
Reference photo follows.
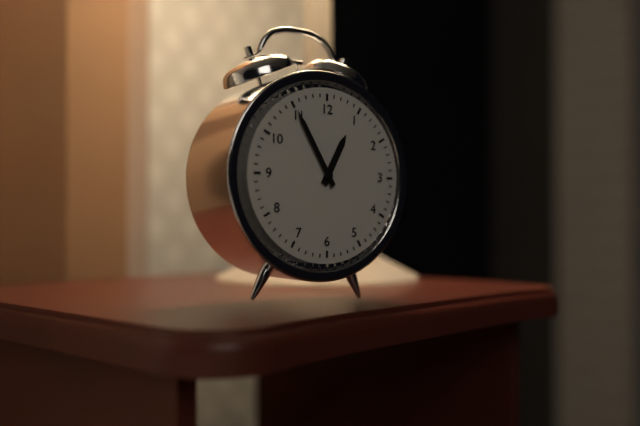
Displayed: **12:55**
